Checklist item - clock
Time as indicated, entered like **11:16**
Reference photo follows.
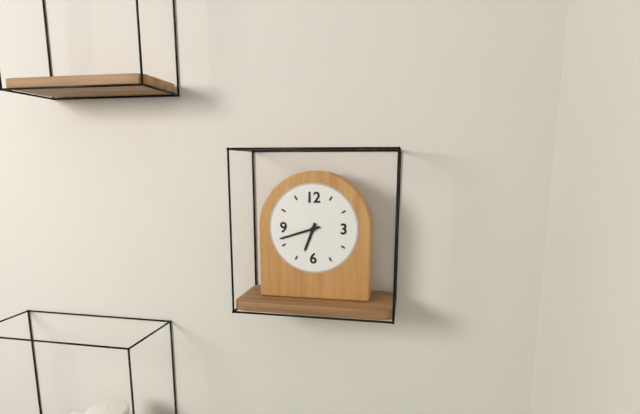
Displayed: **6:42**
